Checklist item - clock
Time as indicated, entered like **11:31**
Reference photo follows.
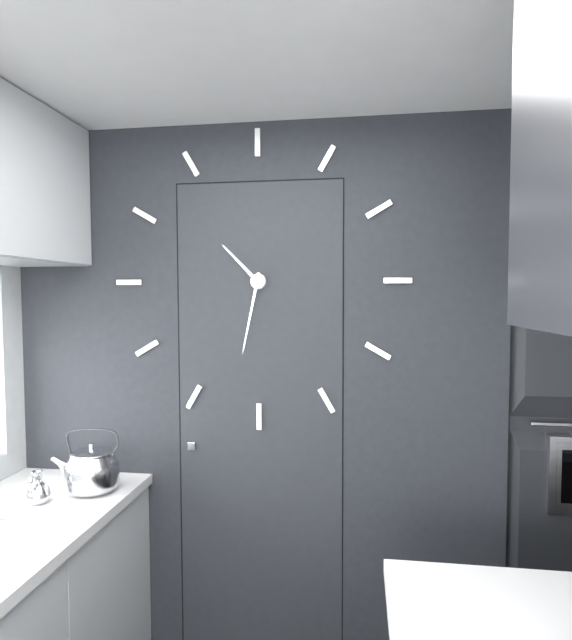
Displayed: **10:32**
